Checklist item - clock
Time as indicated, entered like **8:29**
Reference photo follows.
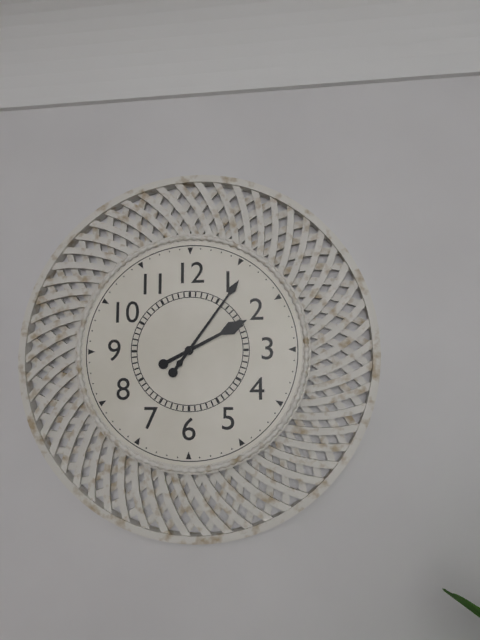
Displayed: **2:06**
